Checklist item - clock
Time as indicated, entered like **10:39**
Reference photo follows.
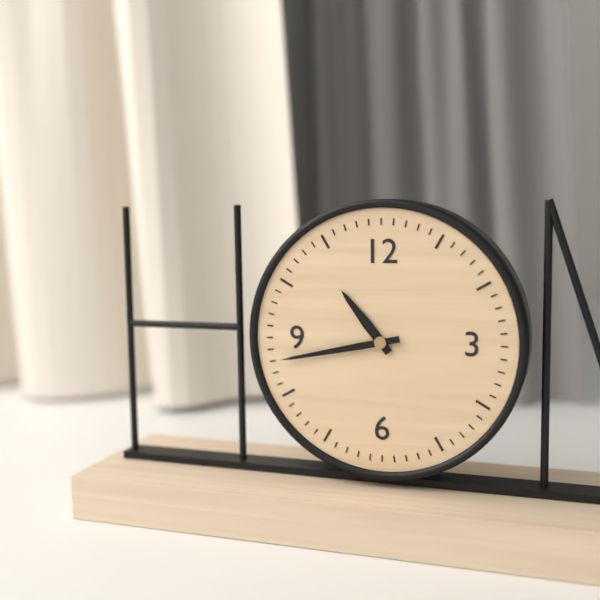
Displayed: **10:43**
